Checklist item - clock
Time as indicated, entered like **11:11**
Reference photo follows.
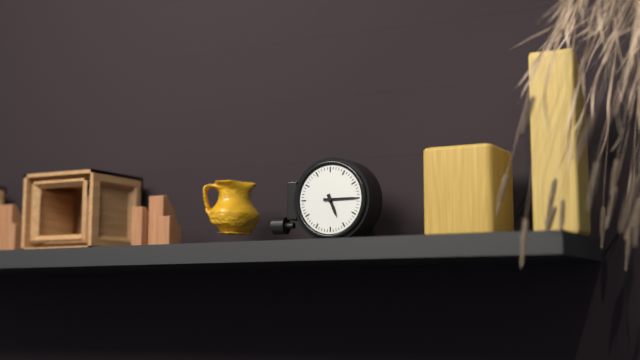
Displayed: **5:15**
